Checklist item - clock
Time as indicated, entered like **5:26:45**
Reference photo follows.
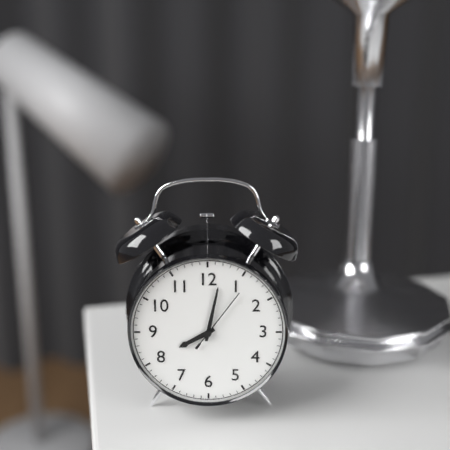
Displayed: **8:02:06**
